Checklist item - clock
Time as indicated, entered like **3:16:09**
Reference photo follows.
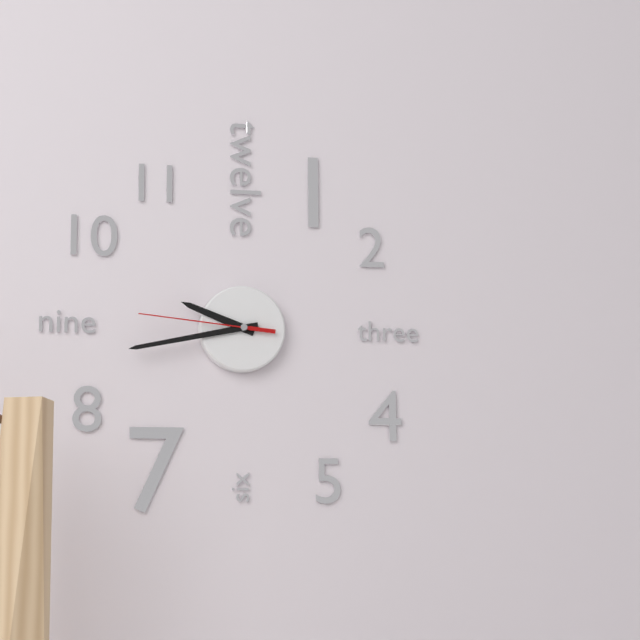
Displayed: **9:43:46**
